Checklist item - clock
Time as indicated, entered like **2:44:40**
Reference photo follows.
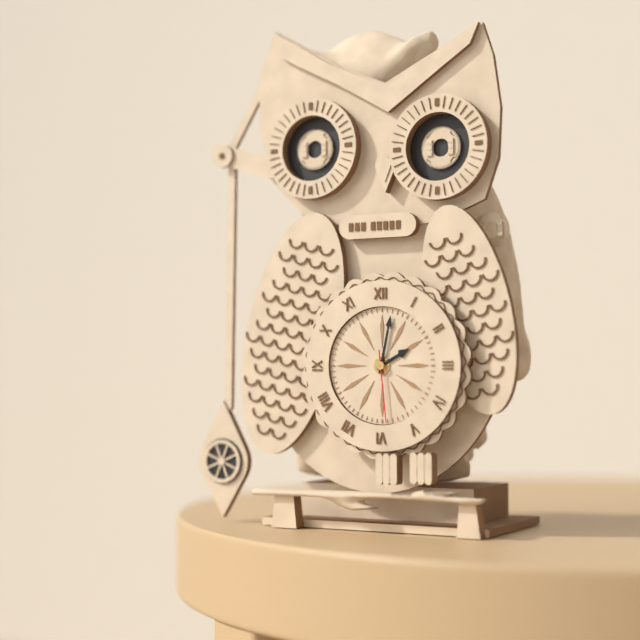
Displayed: **2:02:29**
